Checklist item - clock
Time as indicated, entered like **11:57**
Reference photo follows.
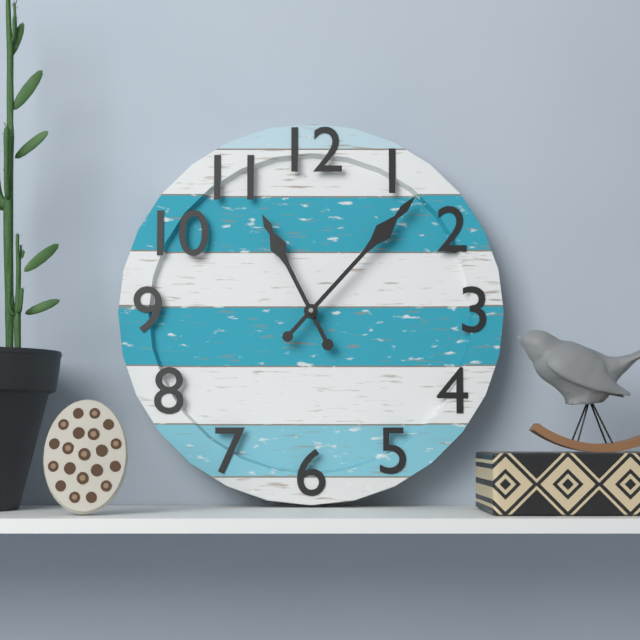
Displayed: **11:07**
